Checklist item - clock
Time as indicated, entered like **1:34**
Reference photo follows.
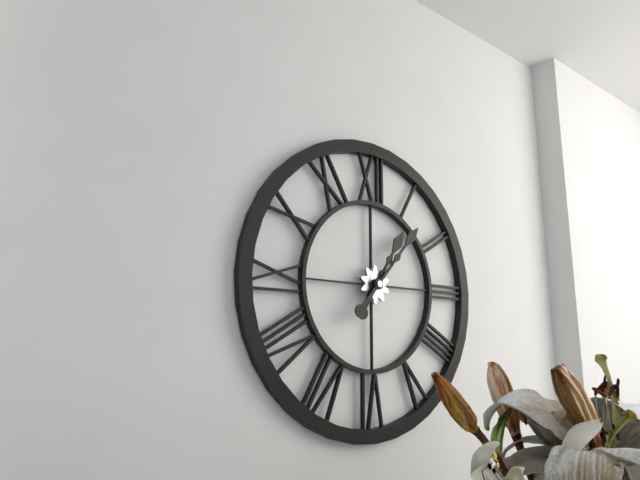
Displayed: **1:07**
